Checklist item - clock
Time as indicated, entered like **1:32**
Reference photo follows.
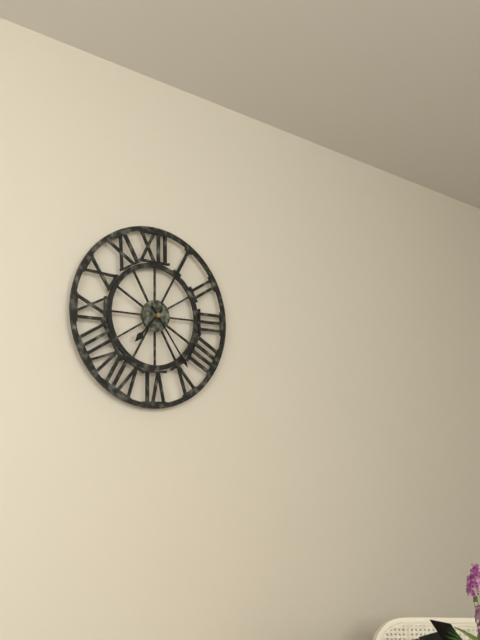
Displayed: **7:24**
